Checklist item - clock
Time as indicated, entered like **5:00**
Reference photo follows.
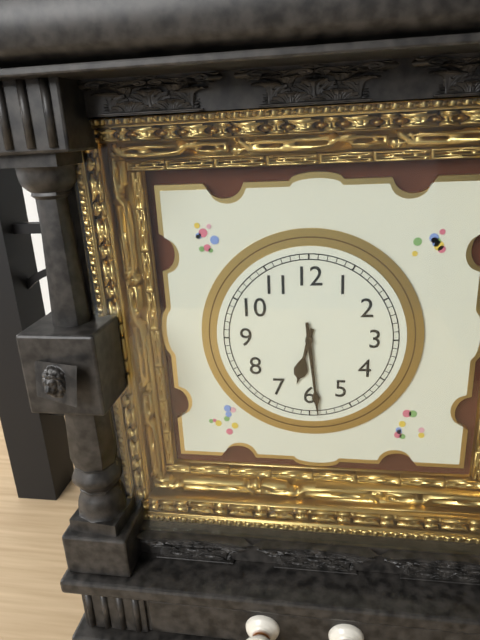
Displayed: **6:29**
